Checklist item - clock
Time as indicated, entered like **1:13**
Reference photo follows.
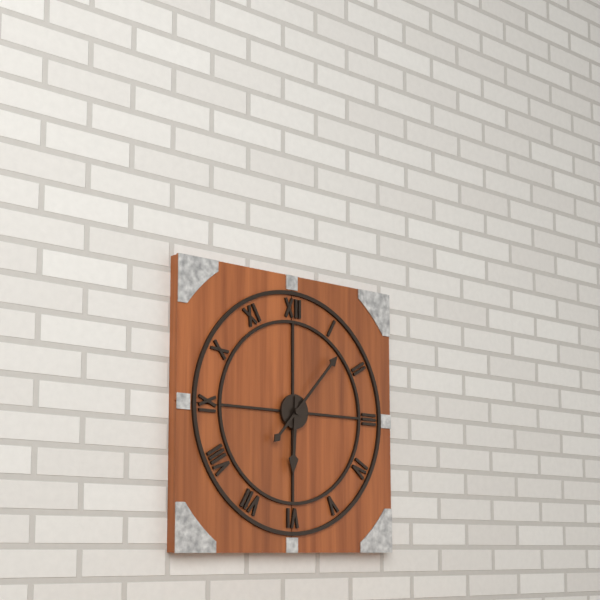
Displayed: **6:07**
